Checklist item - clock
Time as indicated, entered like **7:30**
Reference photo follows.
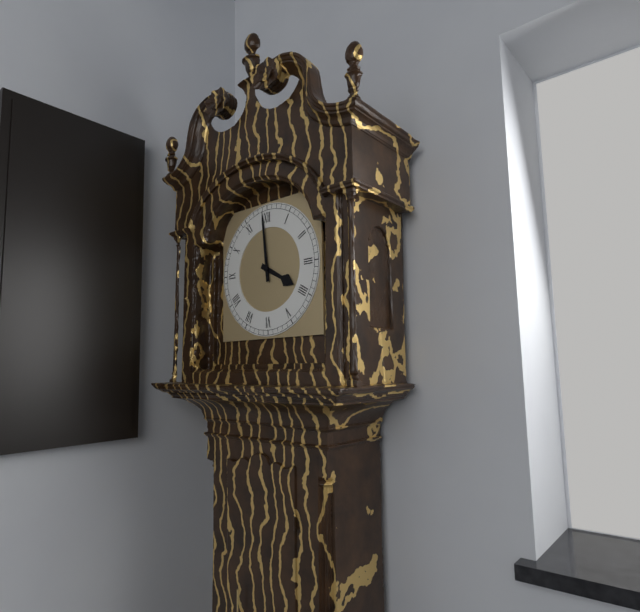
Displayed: **3:59**
